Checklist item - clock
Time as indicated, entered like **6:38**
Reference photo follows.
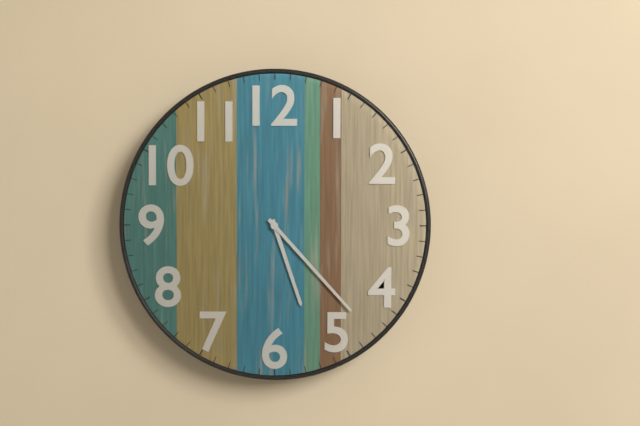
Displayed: **5:23**
